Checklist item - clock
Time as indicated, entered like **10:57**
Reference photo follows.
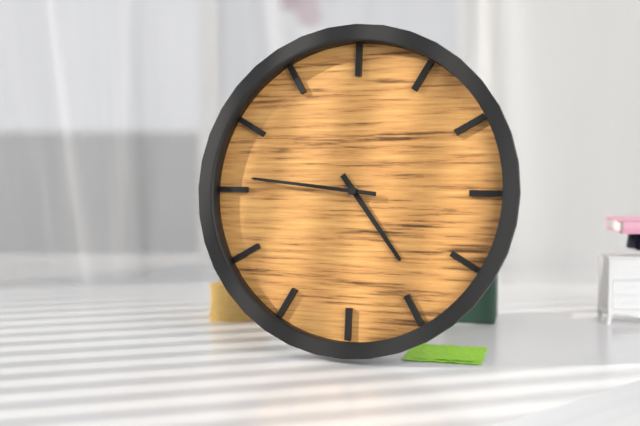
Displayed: **4:46**
